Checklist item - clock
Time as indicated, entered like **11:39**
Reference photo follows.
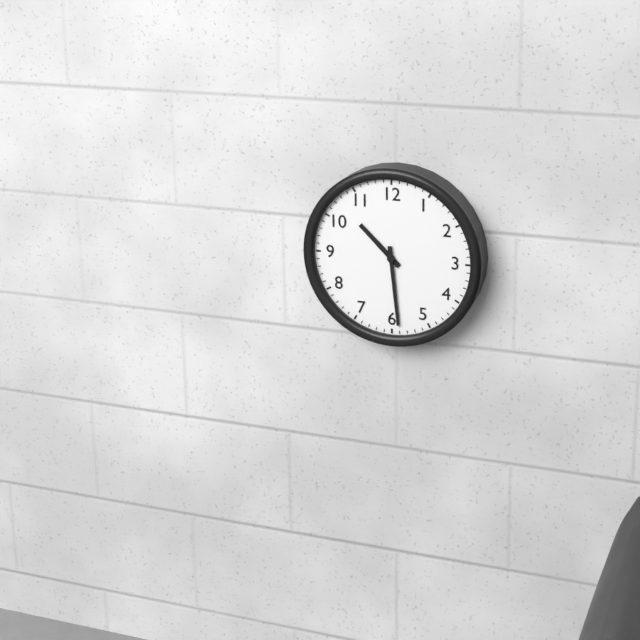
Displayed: **10:29**
